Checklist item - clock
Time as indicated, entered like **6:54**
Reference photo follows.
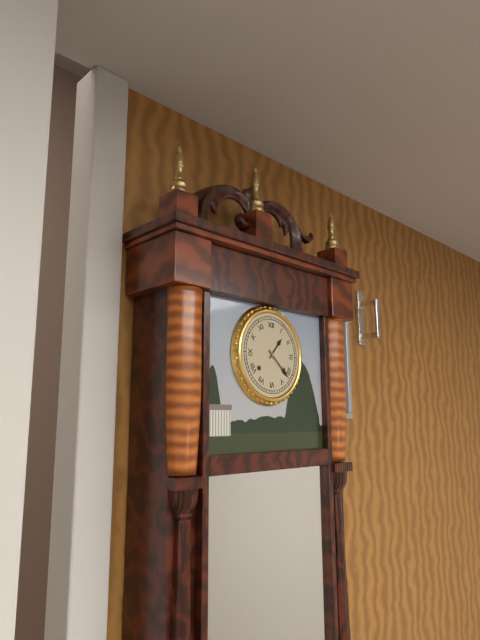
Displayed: **1:22**
